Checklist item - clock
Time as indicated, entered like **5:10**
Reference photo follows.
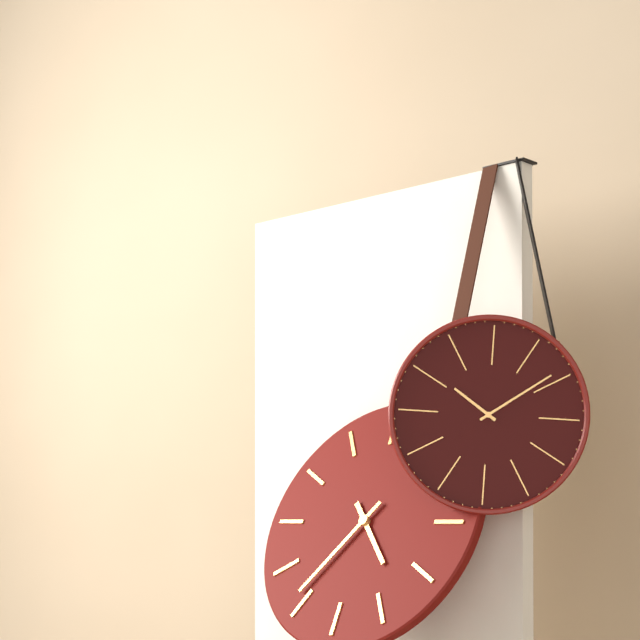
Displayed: **4:36**
